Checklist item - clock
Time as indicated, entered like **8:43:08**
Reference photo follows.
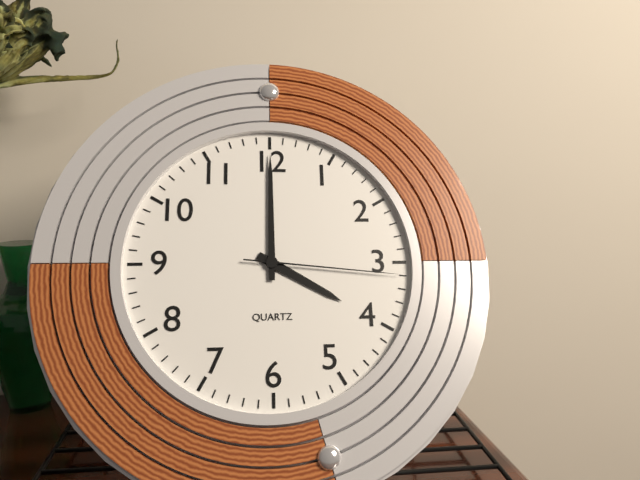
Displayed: **4:00:16**
